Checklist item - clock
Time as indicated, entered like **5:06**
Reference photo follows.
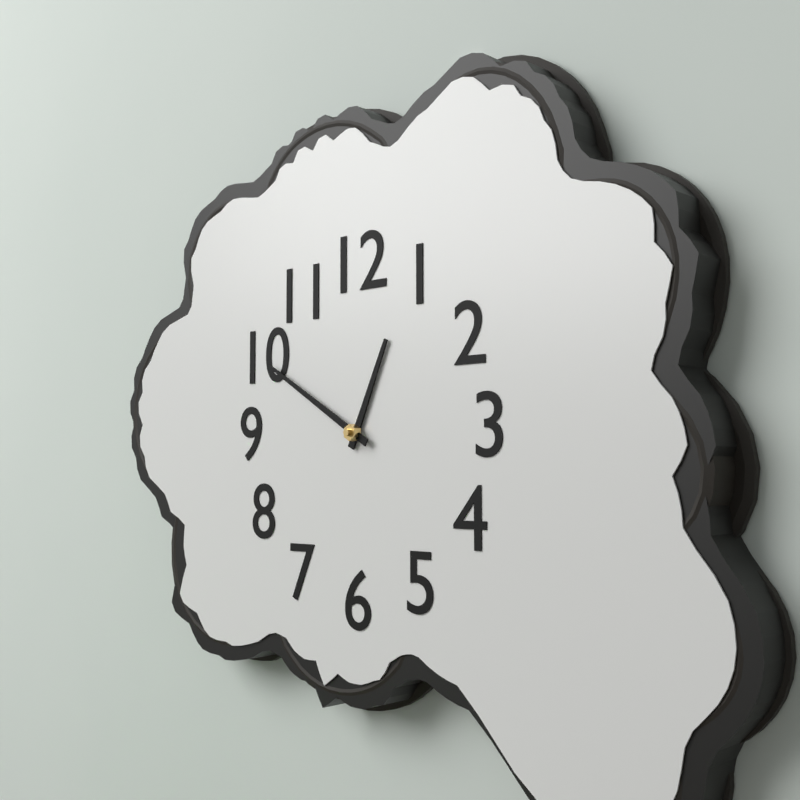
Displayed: **12:50**
